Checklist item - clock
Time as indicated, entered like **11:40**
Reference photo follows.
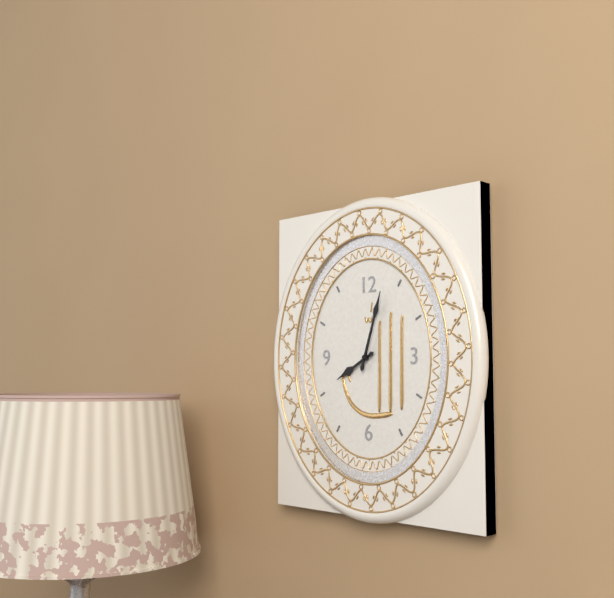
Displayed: **8:03**
